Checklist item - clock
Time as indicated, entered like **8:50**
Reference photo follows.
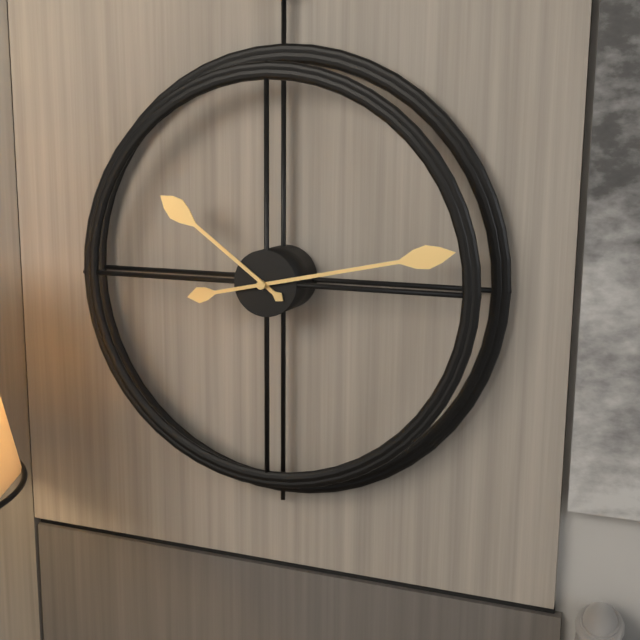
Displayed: **10:13**
